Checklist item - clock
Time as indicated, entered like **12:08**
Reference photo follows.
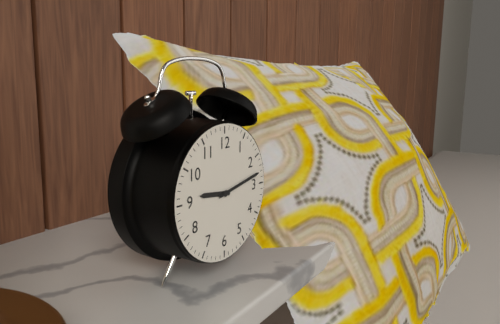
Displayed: **9:13**
